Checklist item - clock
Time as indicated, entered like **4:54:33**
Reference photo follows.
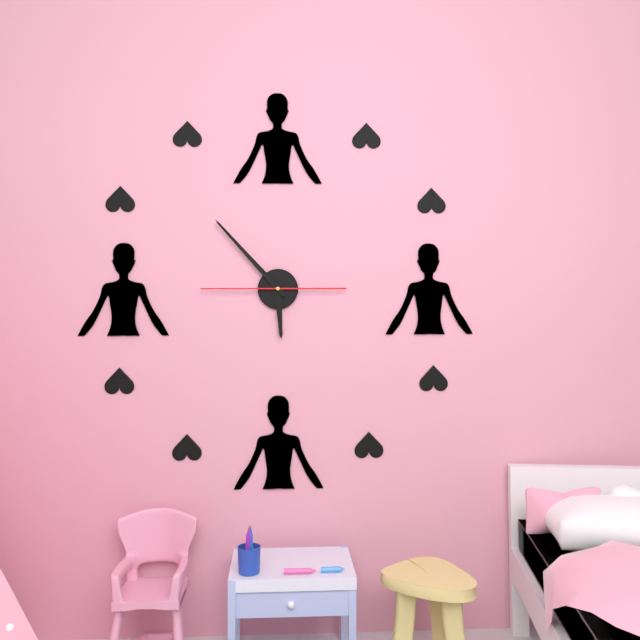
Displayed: **5:53:45**
